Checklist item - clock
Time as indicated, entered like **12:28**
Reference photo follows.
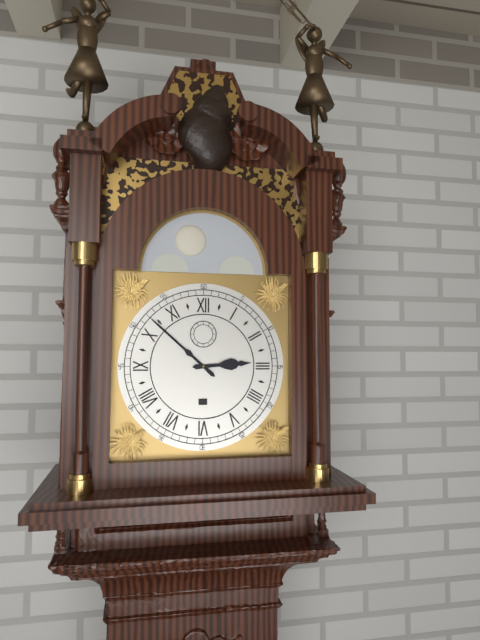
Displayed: **2:52**
